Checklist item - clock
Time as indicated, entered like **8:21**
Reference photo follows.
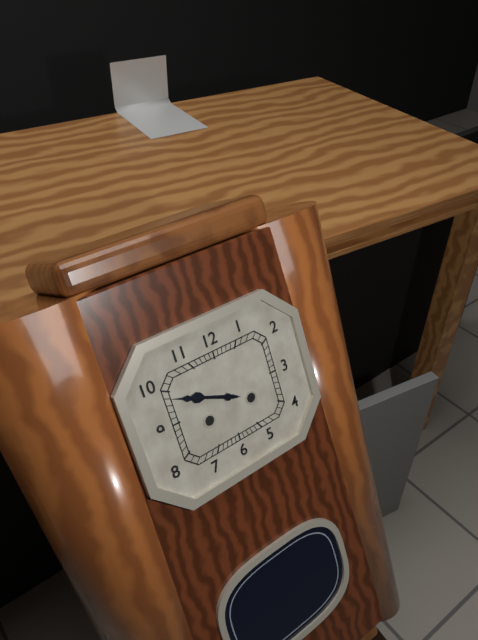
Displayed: **9:49**
